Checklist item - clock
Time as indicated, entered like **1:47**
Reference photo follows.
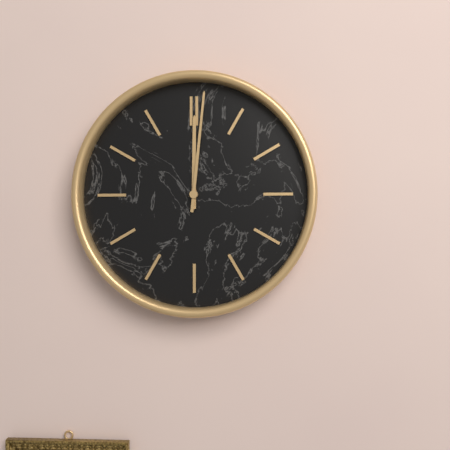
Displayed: **12:01**
